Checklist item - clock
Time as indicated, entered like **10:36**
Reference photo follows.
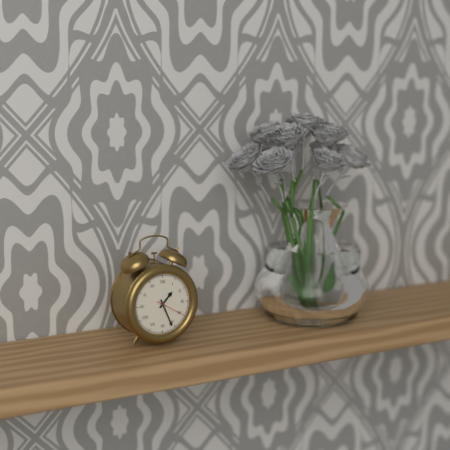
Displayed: **1:26**
